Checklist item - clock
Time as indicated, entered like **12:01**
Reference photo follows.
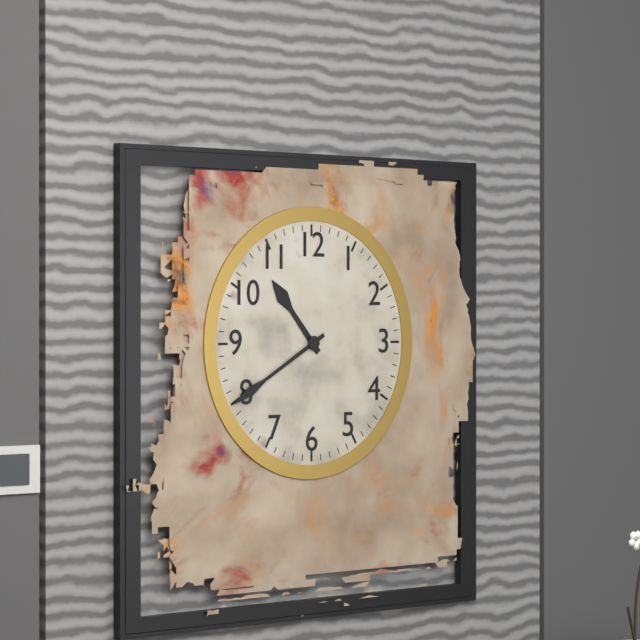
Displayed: **10:40**
